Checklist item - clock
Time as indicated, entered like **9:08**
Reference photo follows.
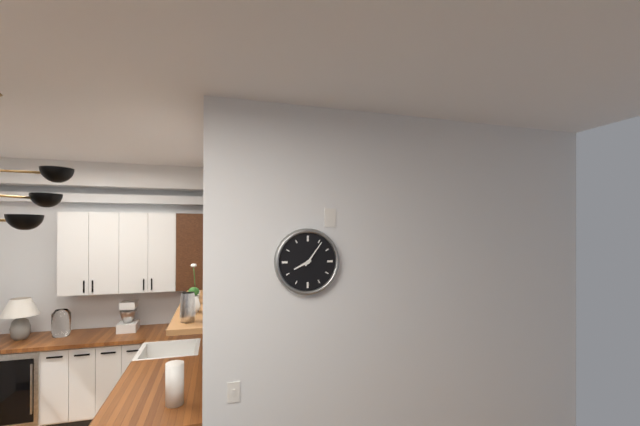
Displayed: **8:06**
